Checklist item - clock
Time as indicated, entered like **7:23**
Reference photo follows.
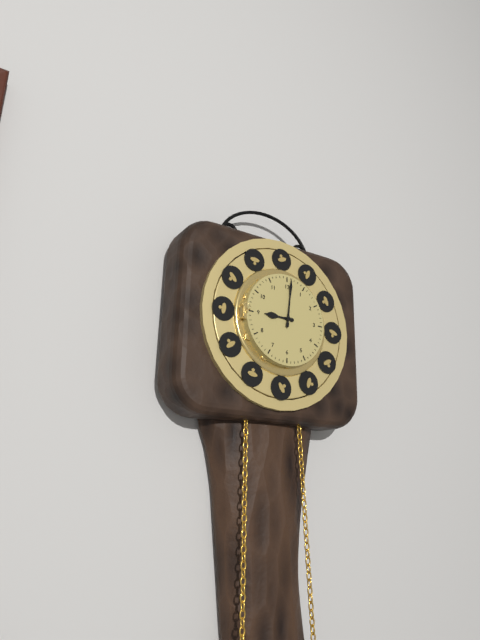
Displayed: **9:01**
